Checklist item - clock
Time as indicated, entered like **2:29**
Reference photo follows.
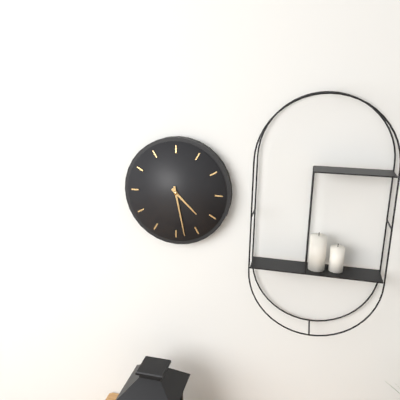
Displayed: **4:28**
